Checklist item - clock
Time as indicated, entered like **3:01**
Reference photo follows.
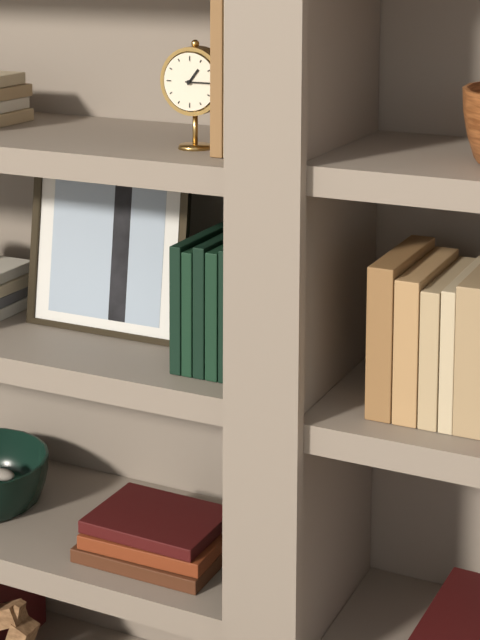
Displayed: **1:15**
